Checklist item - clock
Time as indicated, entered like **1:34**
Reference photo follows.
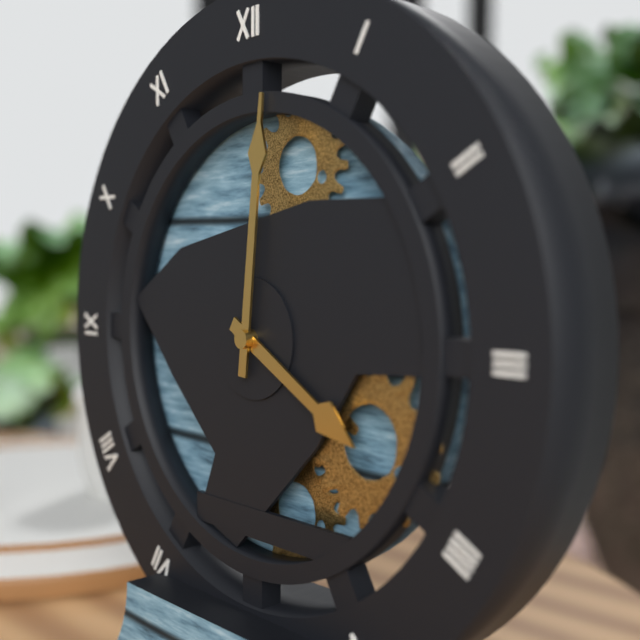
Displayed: **4:01**
